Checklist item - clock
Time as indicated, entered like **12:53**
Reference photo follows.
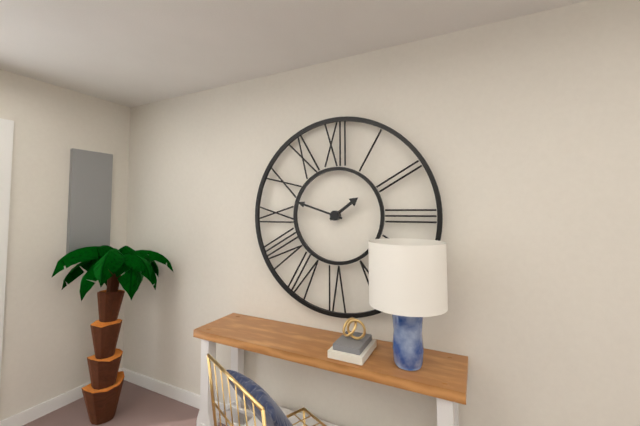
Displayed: **1:48**
